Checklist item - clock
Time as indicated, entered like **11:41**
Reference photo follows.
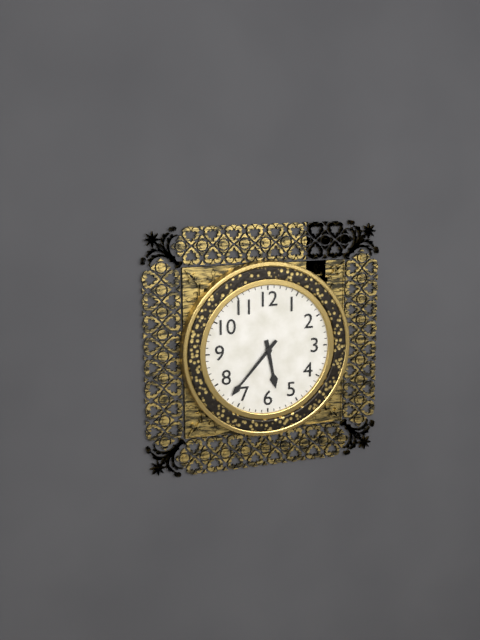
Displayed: **5:37**
